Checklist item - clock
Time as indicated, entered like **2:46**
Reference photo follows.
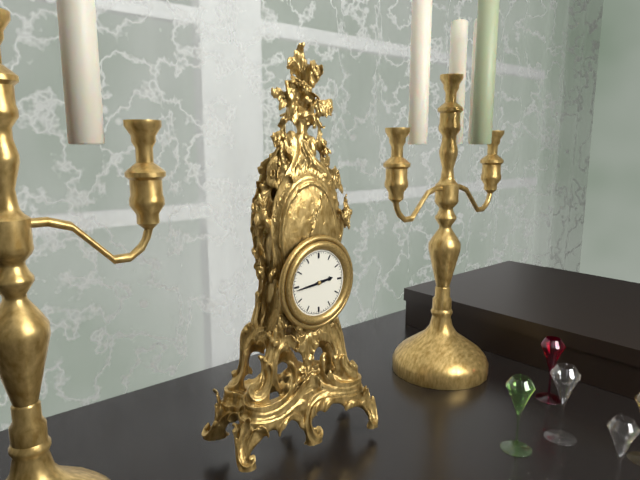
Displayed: **2:44**
